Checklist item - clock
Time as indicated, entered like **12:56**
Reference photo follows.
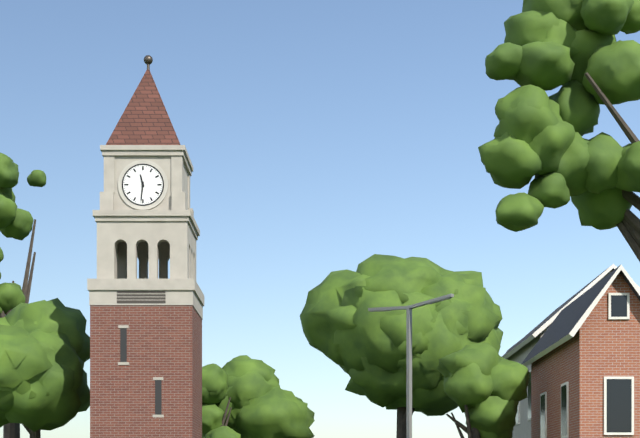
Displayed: **11:31**
